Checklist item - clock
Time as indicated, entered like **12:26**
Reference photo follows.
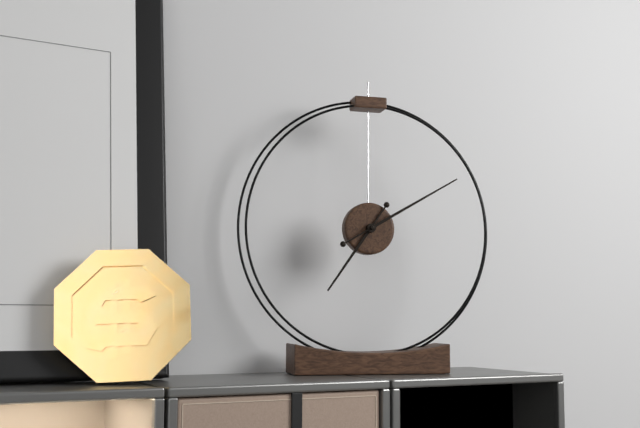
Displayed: **7:10**
